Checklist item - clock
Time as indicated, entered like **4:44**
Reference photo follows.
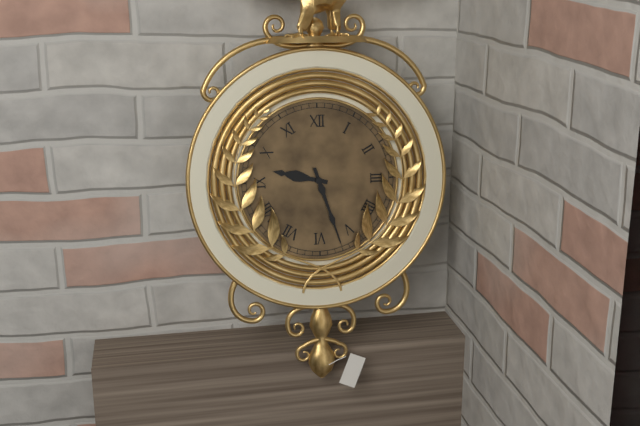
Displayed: **9:27**
